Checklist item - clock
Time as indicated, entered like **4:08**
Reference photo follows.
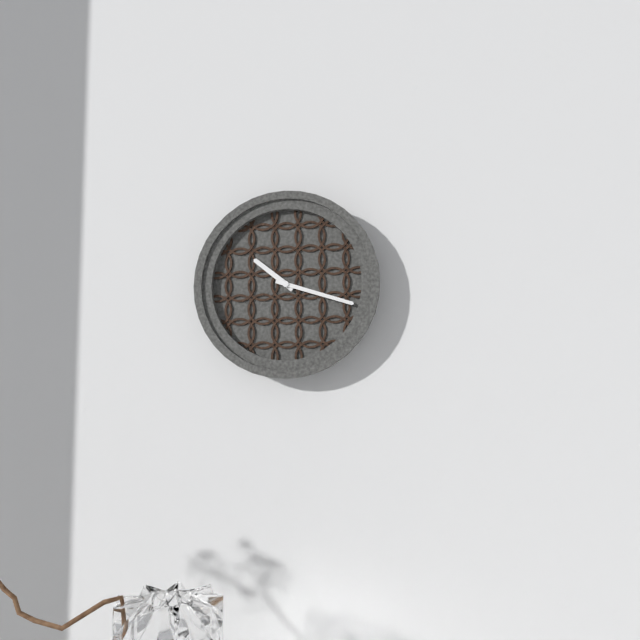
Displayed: **10:18**
